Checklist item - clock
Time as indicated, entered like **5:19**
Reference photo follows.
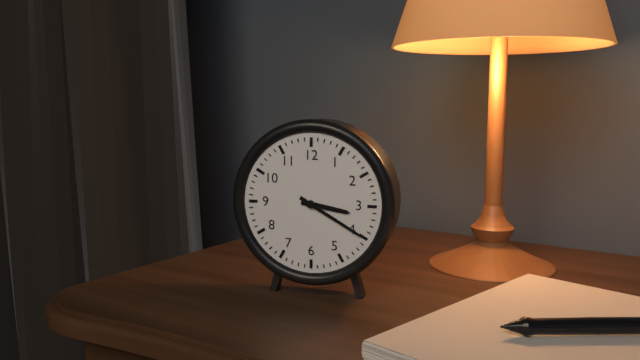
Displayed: **3:20**
